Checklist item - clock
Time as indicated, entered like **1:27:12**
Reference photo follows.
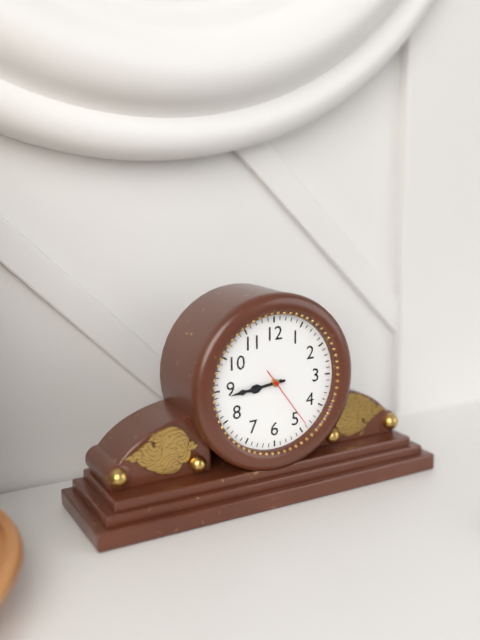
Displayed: **8:44:24**
